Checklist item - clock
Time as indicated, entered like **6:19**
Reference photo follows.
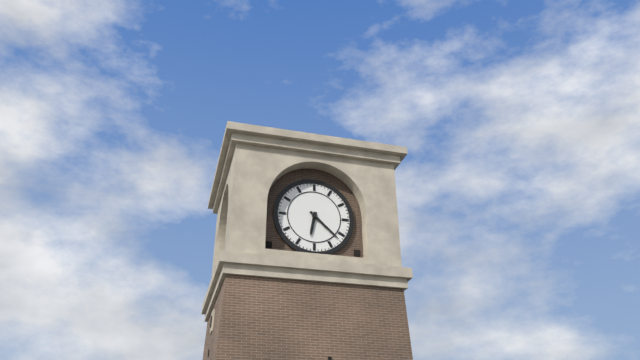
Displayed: **6:22**
